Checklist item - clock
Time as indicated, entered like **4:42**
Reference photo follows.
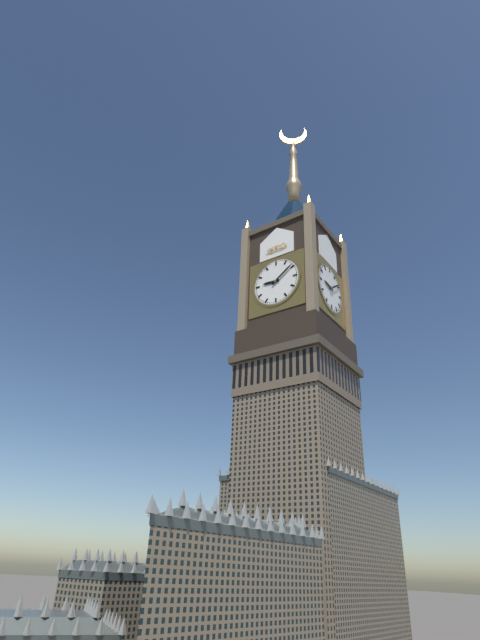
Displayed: **9:09**
